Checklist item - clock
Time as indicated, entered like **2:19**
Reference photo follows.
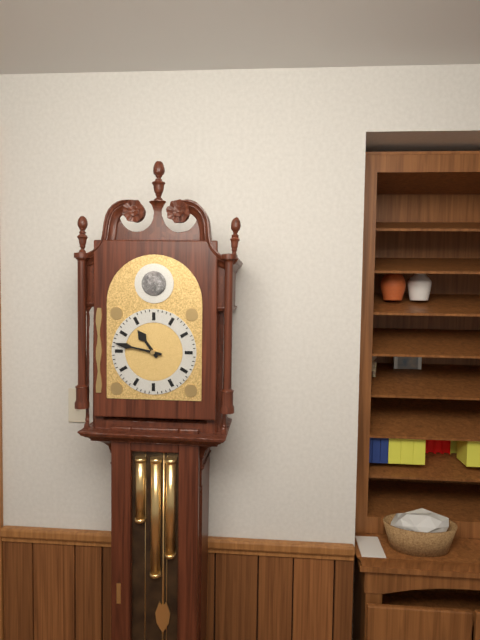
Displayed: **10:47**
